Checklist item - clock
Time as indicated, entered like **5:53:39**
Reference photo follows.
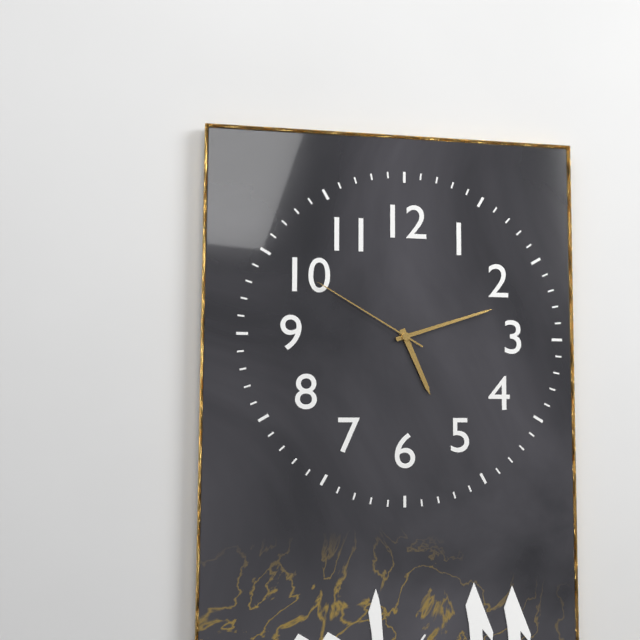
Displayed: **5:12:50**
